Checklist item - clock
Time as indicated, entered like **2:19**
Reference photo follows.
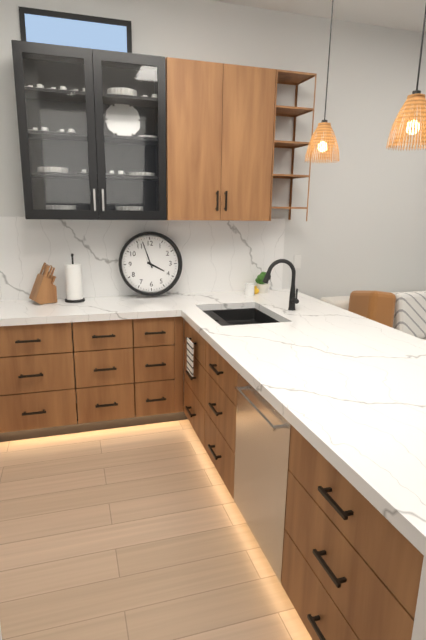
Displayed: **3:57**
